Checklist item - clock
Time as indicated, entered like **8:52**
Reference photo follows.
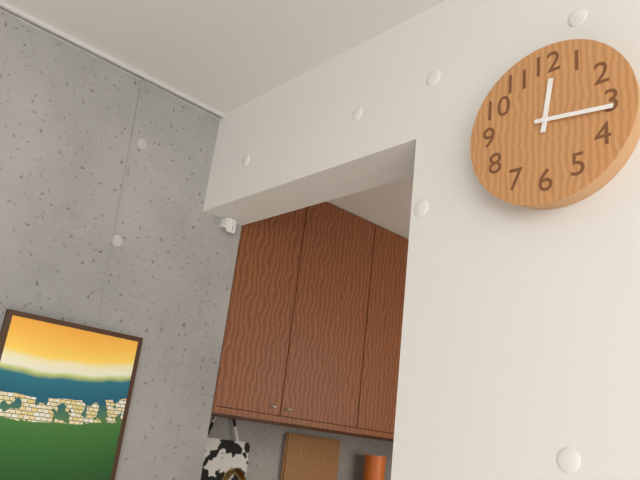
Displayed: **12:16**
